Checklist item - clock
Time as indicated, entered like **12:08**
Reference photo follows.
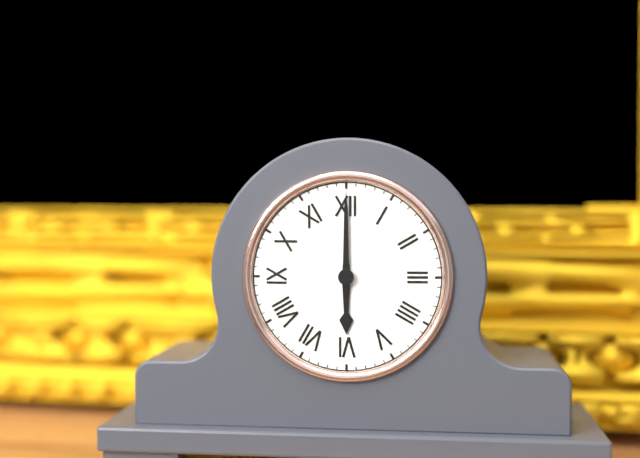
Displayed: **6:00**
